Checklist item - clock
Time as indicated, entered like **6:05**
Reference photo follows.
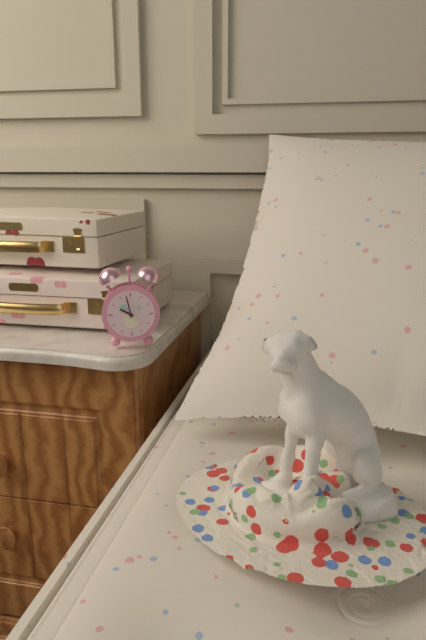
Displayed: **9:58**
